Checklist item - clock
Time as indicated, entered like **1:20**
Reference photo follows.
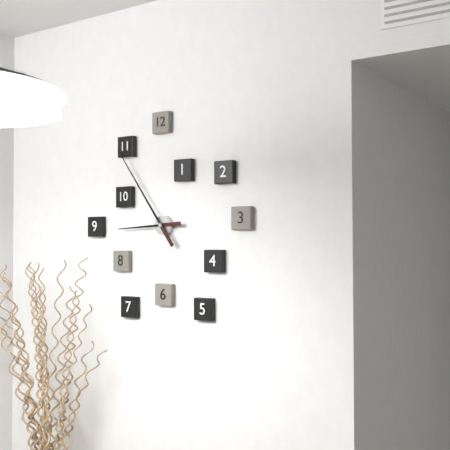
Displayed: **8:54**
